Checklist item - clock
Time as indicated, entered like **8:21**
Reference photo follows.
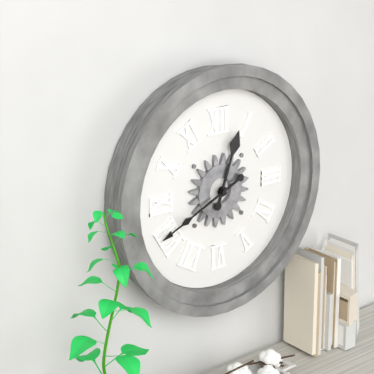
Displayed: **12:41**
